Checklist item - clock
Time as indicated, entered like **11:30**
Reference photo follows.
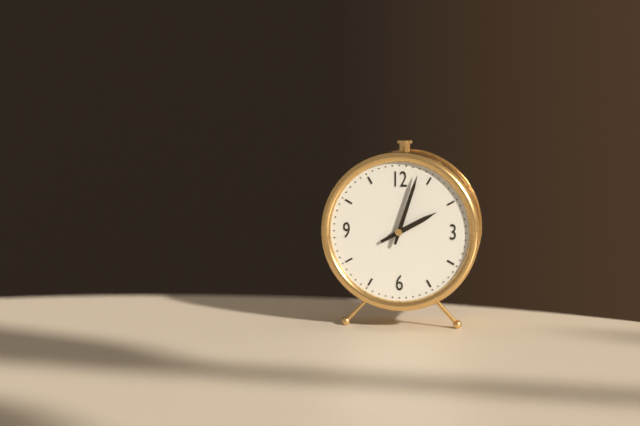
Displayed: **2:03**
